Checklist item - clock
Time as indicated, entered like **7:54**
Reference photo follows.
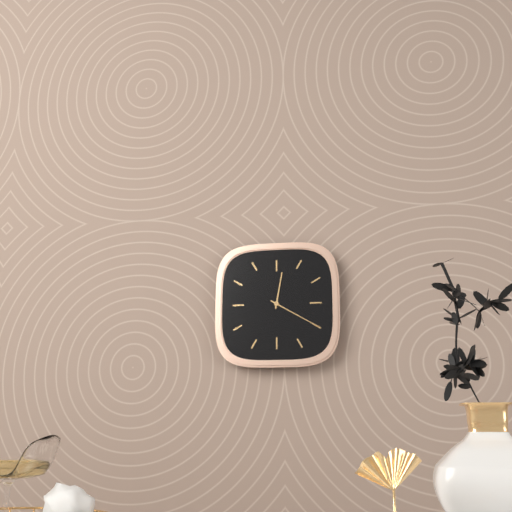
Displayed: **12:20**
